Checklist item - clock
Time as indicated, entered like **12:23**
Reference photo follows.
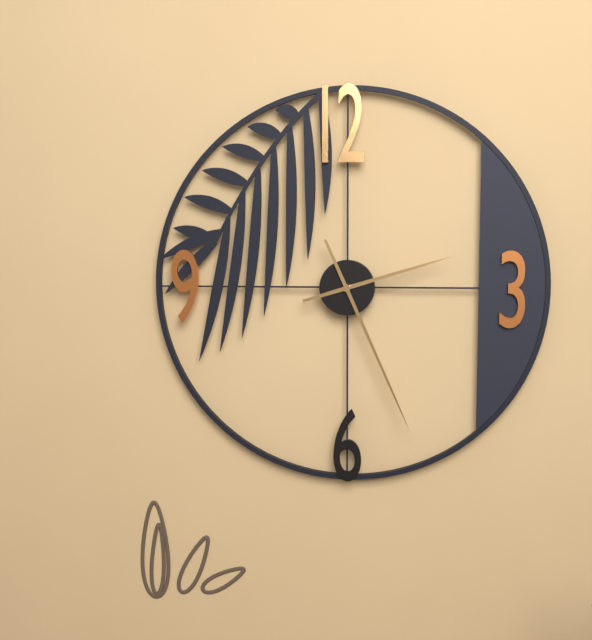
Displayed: **2:26**
